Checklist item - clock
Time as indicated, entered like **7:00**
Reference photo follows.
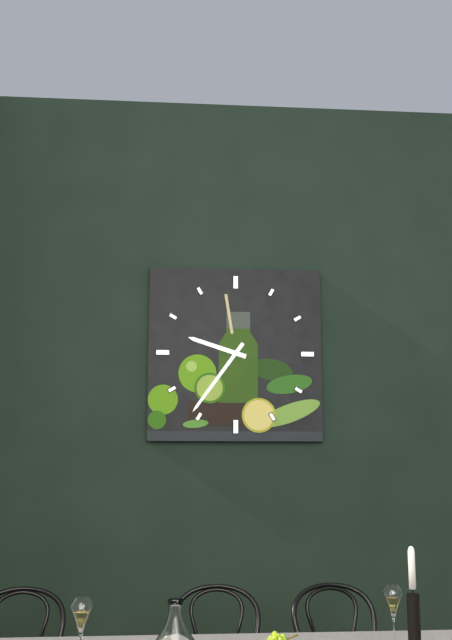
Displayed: **9:36**
